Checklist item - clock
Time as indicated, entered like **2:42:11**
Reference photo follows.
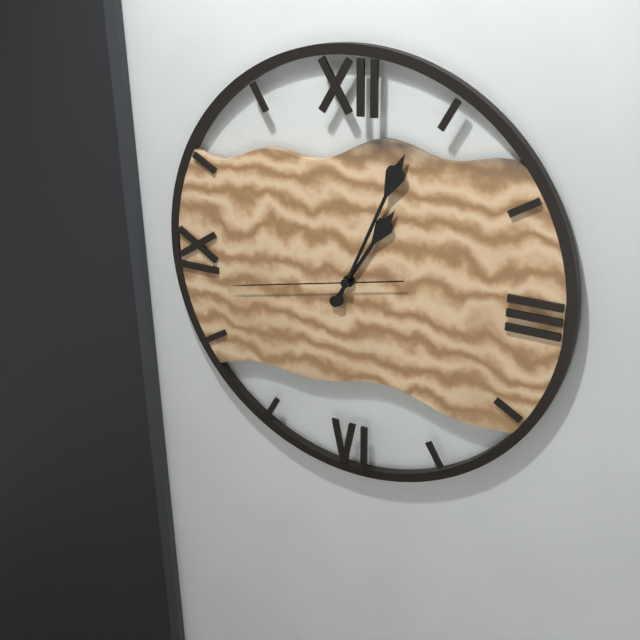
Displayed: **1:04:43**
